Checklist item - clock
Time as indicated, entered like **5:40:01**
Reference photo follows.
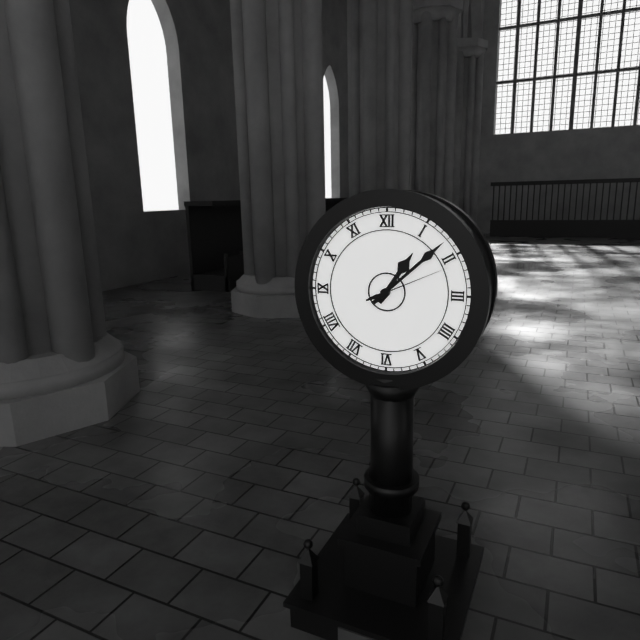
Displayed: **1:08:11**
